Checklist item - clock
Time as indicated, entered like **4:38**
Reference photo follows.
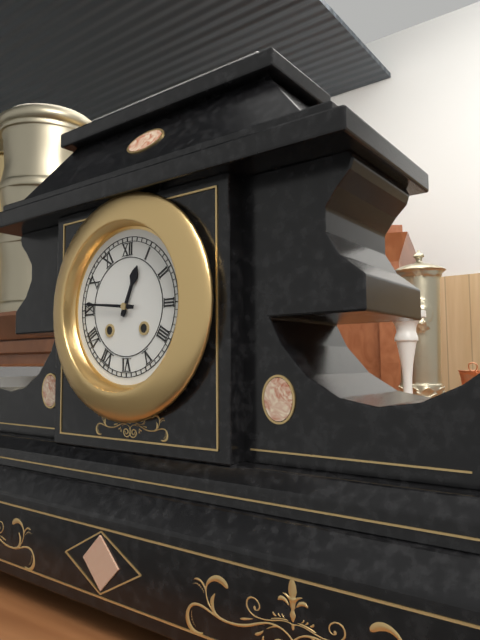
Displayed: **12:46**
